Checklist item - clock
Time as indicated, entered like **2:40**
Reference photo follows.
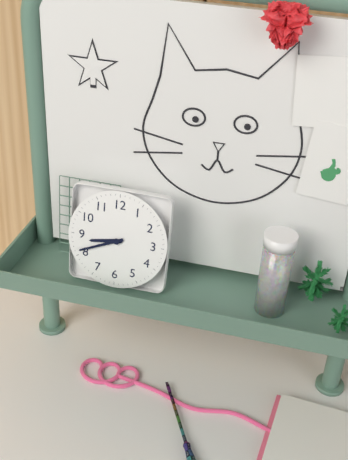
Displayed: **8:41**
